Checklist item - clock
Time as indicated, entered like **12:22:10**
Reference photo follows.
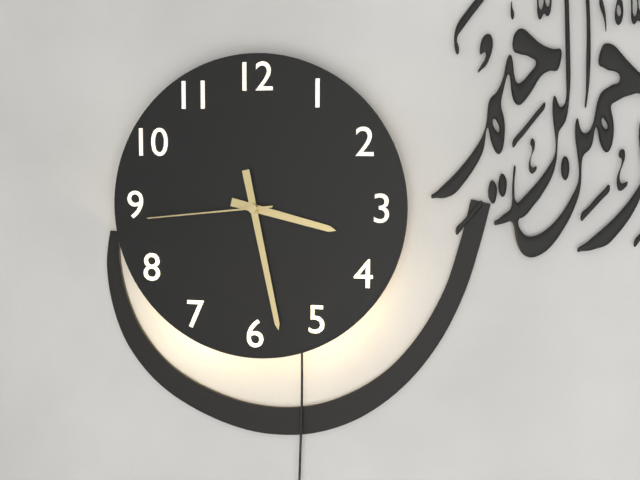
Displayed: **3:28:44**
